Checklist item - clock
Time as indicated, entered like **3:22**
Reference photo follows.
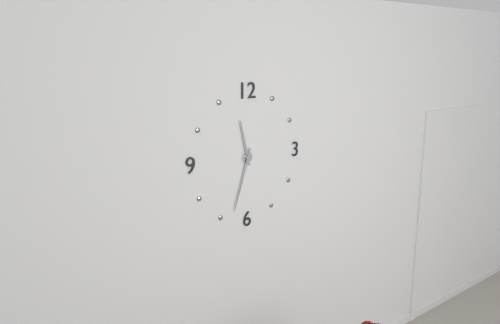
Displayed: **11:33**
